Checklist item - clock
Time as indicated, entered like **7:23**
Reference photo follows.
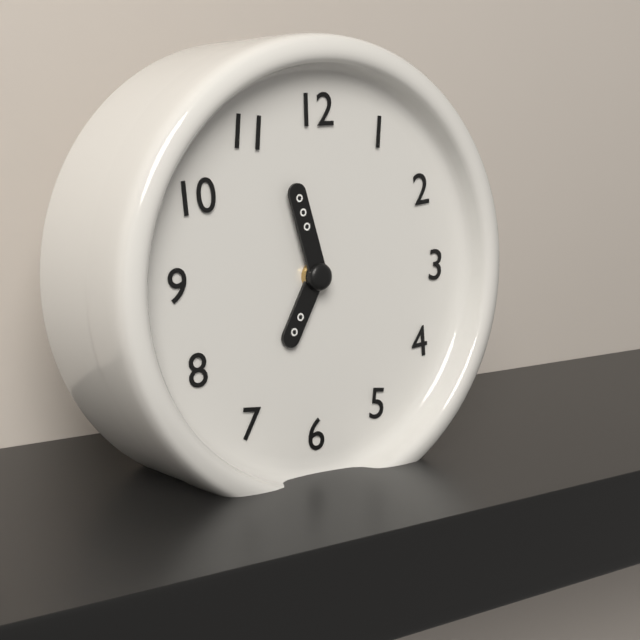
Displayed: **6:57**
